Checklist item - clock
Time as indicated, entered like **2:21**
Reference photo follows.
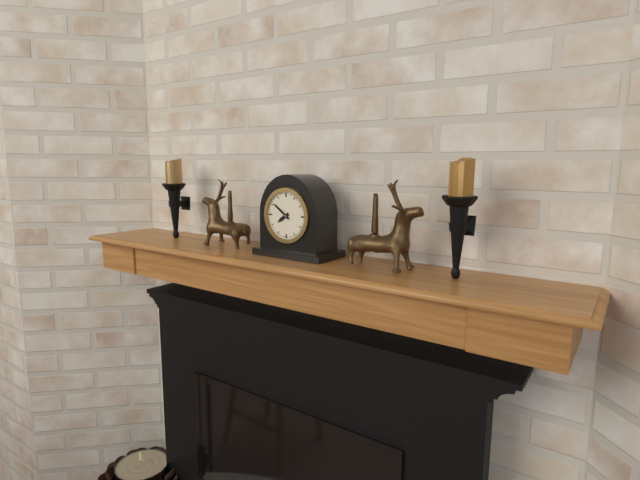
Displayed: **7:51**
